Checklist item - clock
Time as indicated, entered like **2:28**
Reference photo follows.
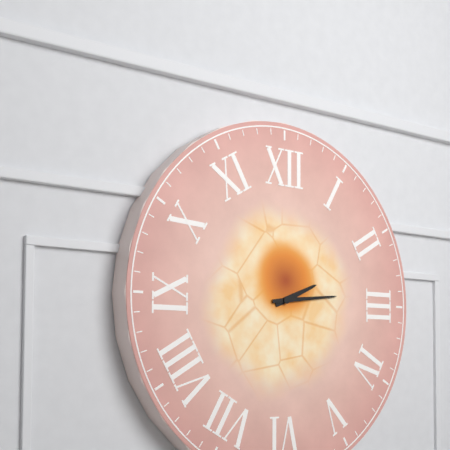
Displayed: **2:14**
